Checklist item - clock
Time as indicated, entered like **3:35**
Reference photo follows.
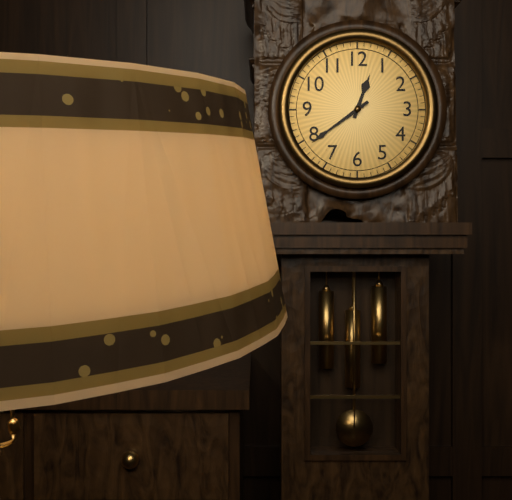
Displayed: **12:39**
